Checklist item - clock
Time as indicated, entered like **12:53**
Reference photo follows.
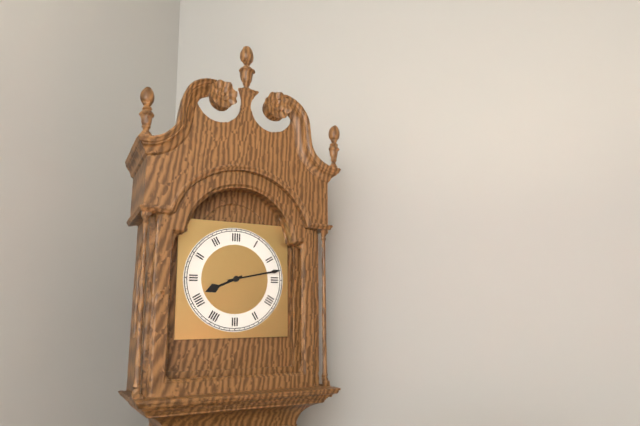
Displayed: **8:13**
